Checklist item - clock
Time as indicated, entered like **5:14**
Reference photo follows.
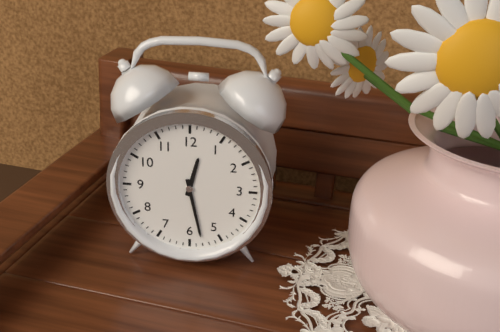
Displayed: **12:28**
